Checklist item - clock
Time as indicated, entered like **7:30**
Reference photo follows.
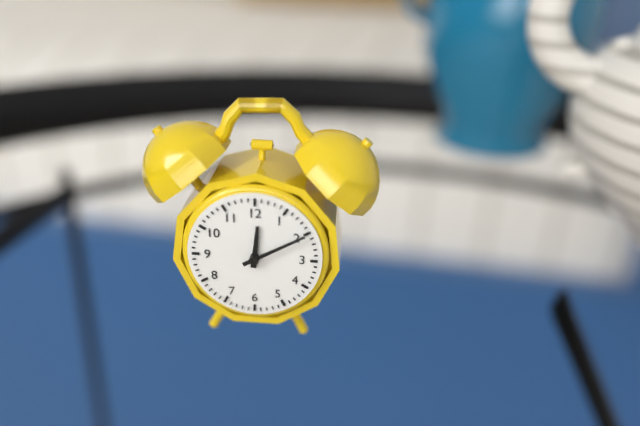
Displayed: **12:10**
